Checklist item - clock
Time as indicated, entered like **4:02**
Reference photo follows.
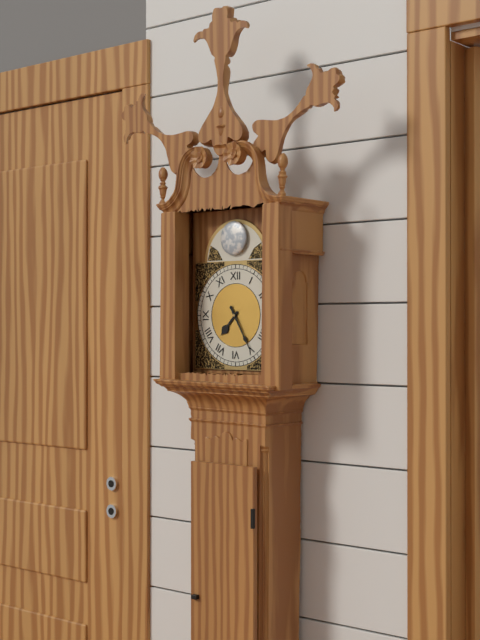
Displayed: **7:25**
